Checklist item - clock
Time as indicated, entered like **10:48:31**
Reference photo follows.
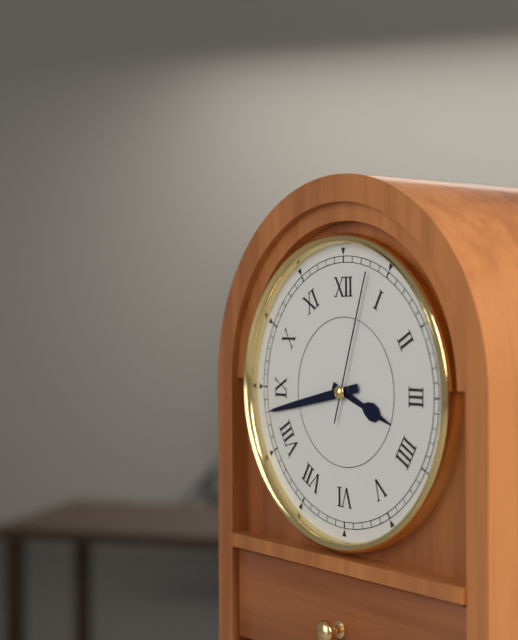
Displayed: **3:43:03**
